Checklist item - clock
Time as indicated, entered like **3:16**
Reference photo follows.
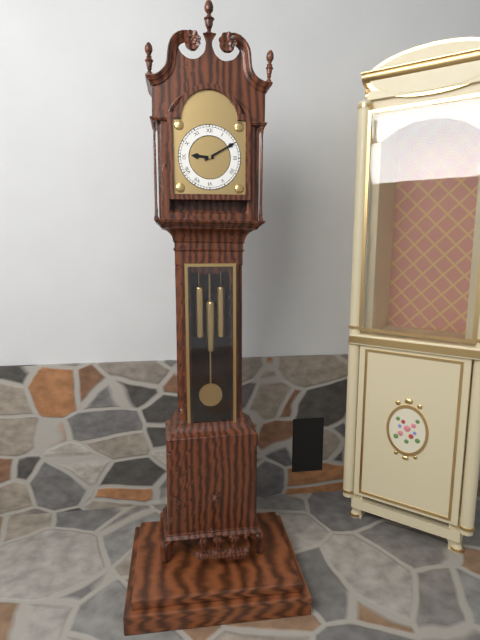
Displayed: **9:10**
